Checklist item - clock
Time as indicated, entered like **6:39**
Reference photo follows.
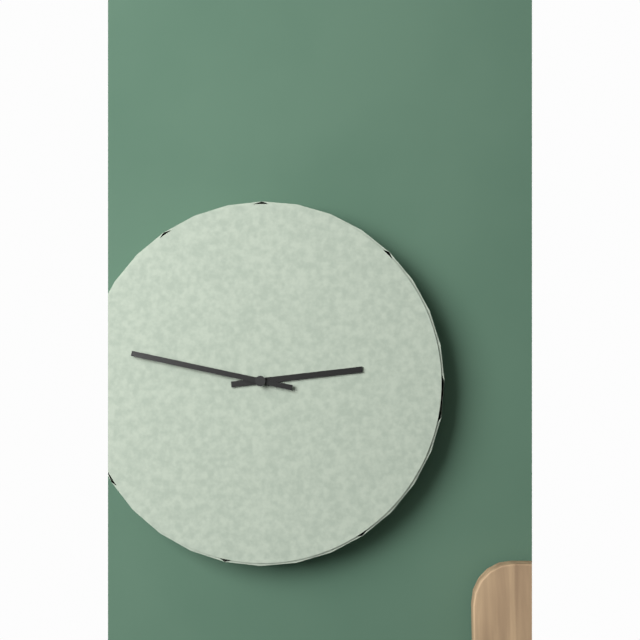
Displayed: **2:47**
